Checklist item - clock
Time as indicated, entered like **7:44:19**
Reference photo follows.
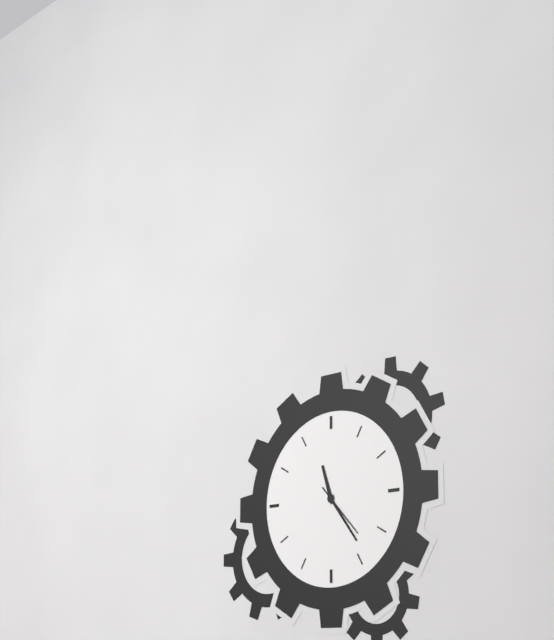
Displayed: **11:24:23**
